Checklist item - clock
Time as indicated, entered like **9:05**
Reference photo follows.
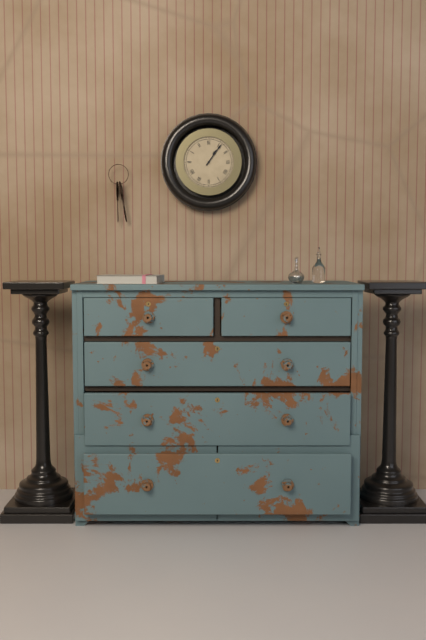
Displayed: **1:06**
